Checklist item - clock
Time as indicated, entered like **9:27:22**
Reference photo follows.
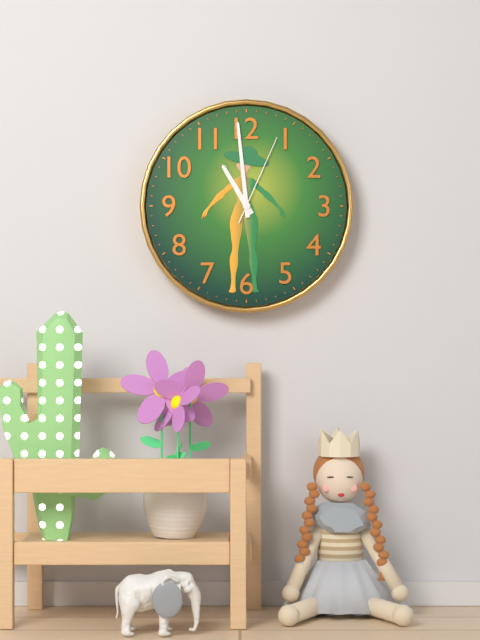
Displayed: **10:59:04**
